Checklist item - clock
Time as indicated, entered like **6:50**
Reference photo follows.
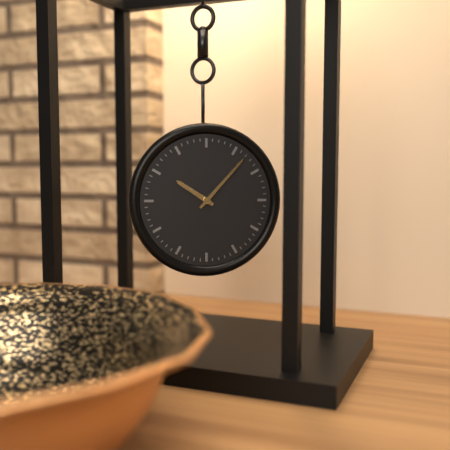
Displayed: **10:07**
